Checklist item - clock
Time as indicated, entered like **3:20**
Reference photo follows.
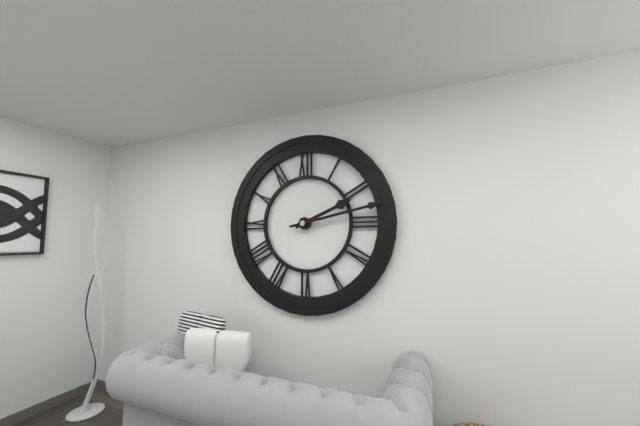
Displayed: **2:13**
